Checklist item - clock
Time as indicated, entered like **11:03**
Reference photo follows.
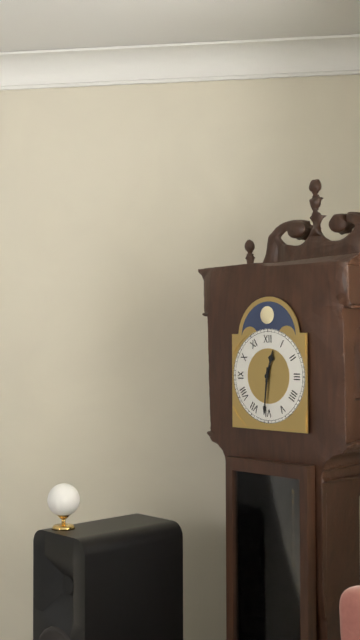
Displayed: **12:31**
